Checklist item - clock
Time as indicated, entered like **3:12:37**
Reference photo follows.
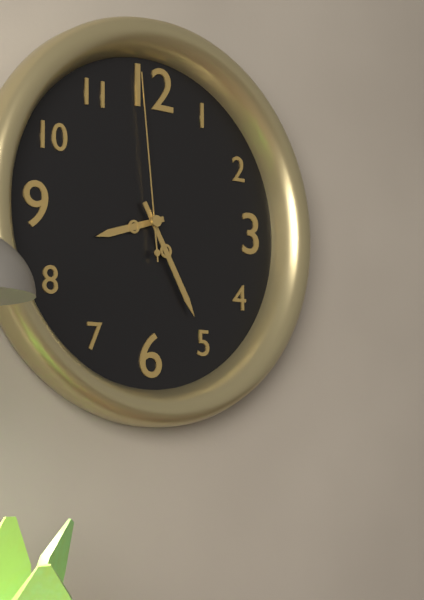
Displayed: **8:25:59**
